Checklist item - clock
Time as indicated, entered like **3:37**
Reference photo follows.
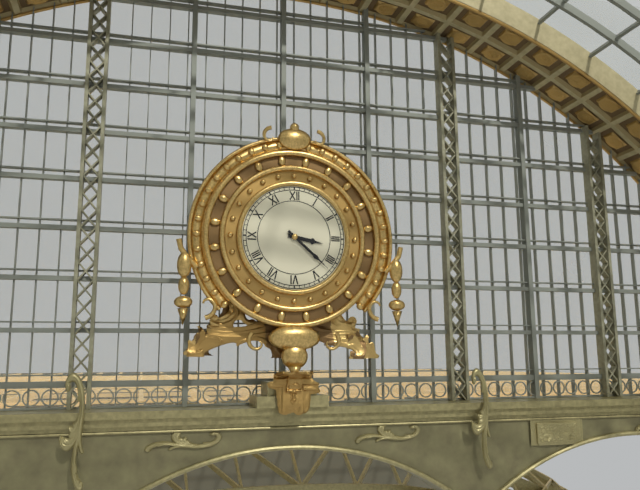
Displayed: **3:22**
